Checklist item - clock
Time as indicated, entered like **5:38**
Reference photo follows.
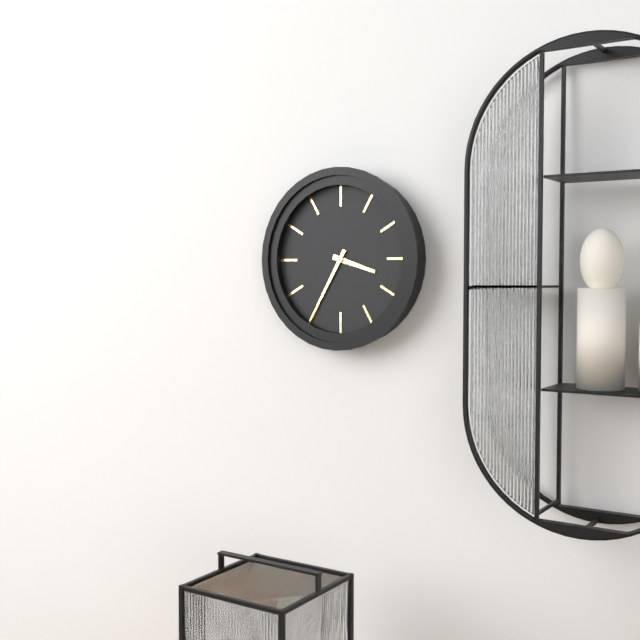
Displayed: **3:35**
